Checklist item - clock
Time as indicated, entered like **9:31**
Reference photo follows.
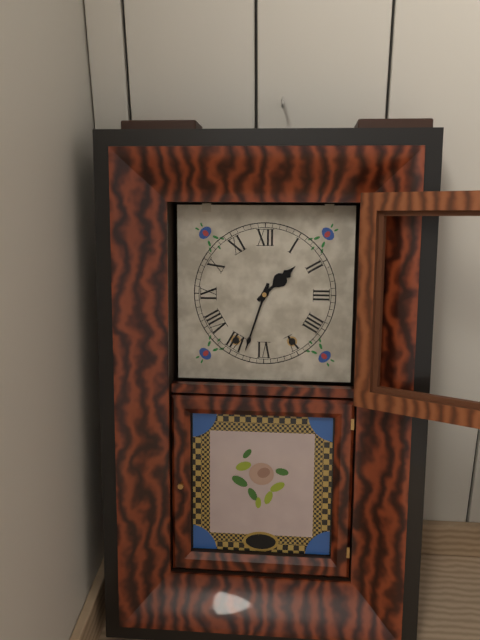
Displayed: **1:33**
